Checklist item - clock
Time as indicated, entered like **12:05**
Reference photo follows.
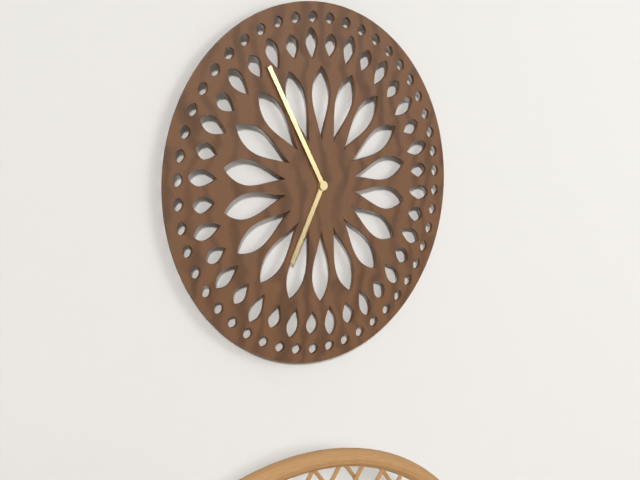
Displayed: **6:55**
